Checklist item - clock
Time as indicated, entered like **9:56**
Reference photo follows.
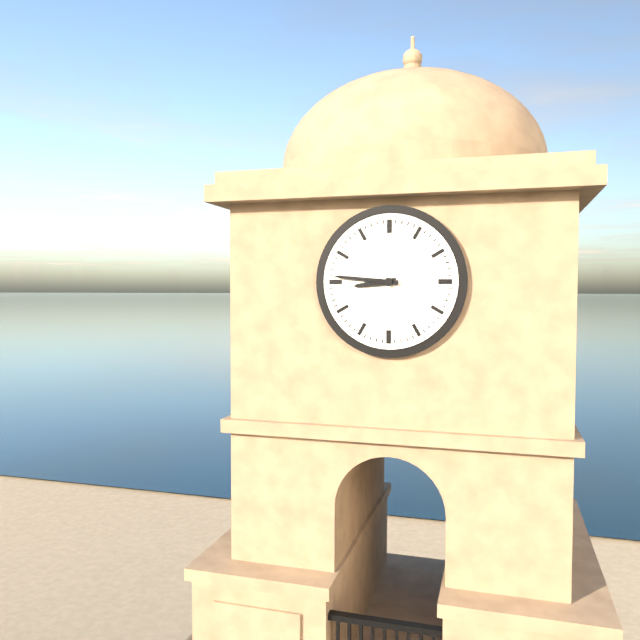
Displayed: **8:46**
